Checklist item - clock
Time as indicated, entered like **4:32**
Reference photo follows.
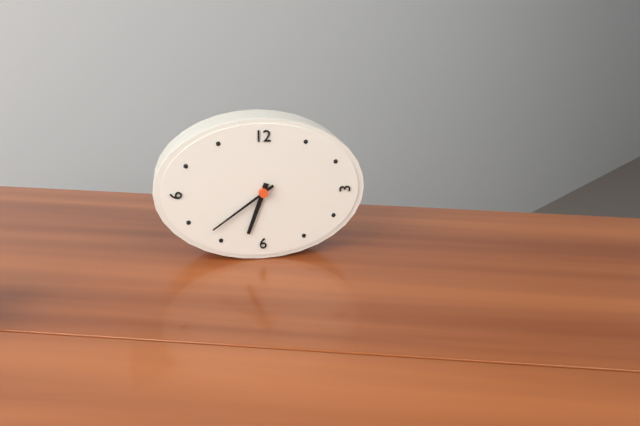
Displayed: **6:39**
